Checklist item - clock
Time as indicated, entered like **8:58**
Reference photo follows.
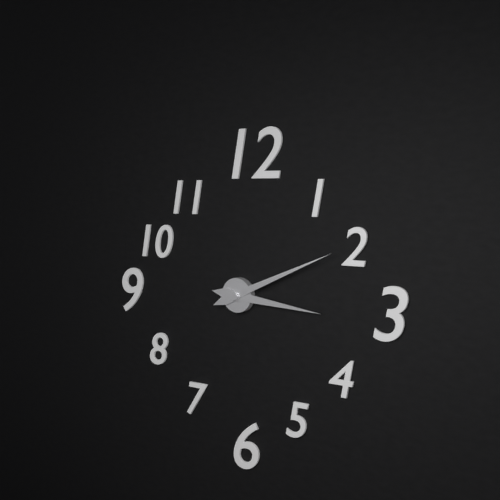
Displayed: **3:11**
